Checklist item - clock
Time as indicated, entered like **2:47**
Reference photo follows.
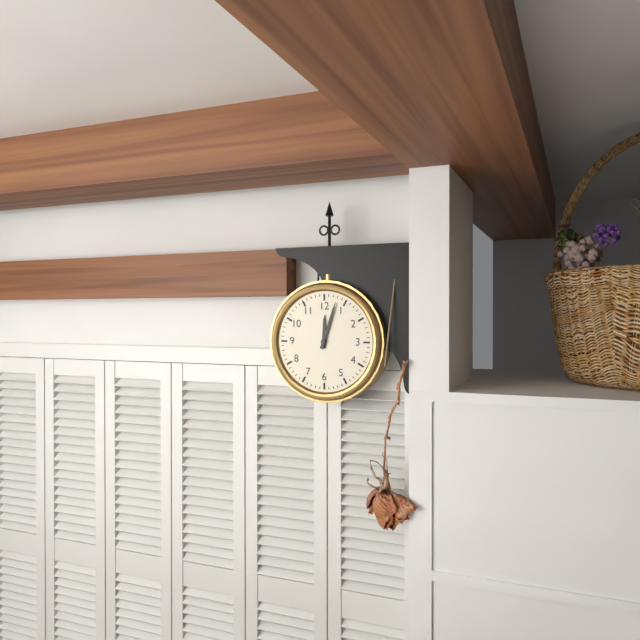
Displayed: **12:03**
